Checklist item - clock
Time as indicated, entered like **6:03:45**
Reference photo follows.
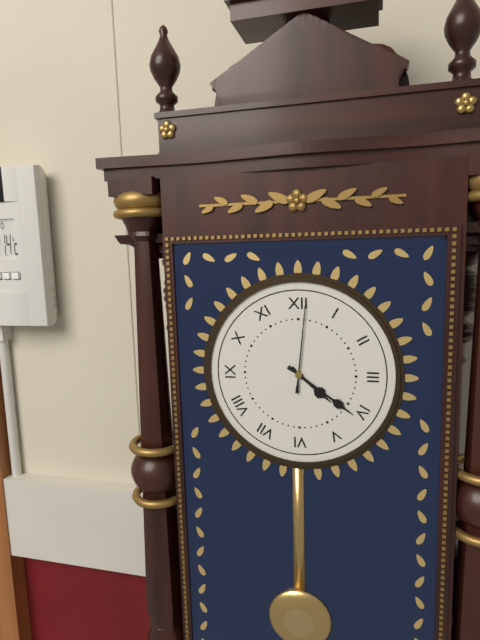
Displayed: **4:21:01**
